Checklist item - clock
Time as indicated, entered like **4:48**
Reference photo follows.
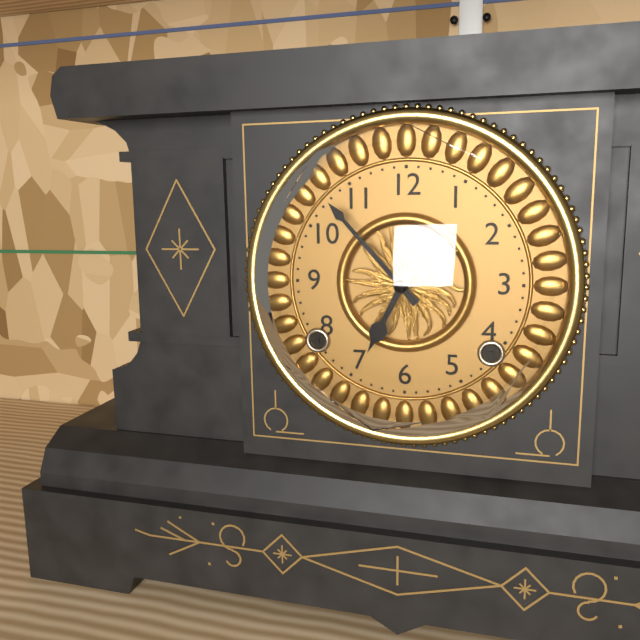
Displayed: **6:53**
